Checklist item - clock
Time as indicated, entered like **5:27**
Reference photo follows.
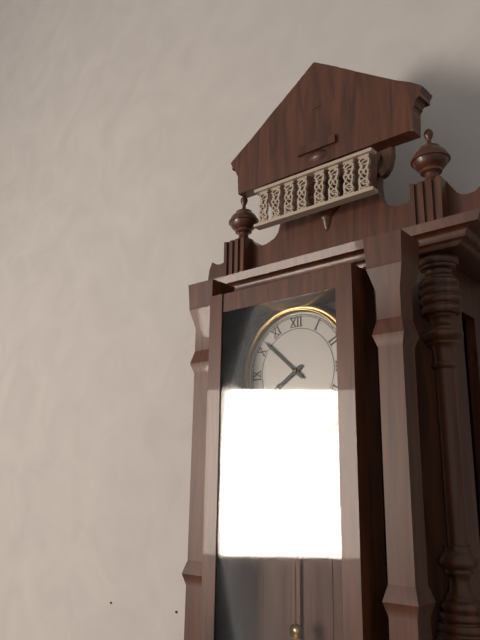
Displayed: **7:52**
